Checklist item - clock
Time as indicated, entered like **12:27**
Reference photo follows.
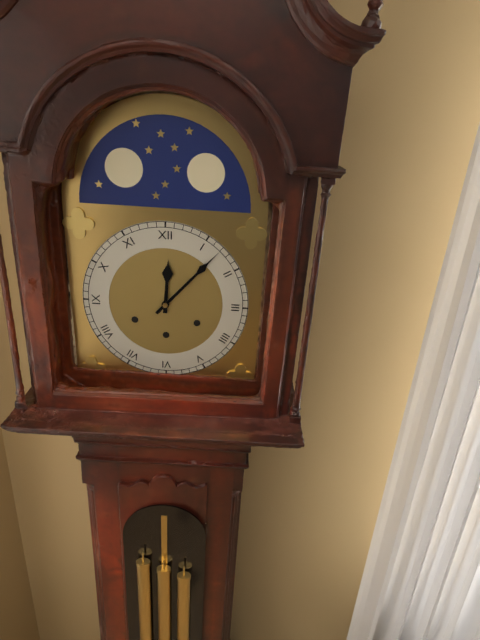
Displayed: **12:07**
